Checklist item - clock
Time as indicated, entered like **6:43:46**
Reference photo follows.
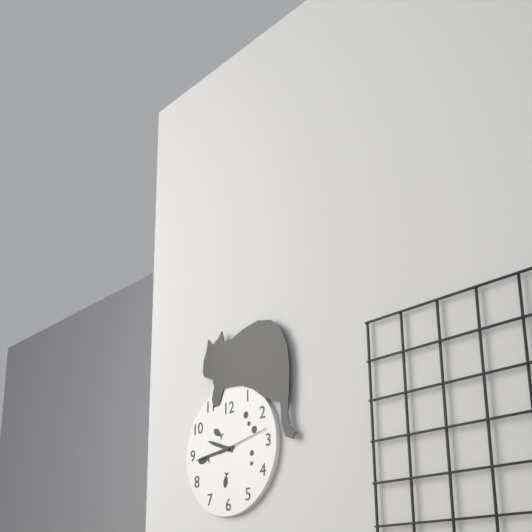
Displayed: **9:44:13**
